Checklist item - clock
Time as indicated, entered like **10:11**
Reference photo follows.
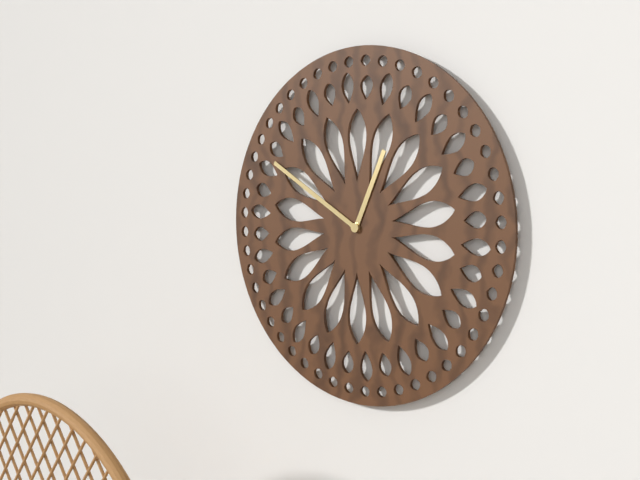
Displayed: **12:50**
